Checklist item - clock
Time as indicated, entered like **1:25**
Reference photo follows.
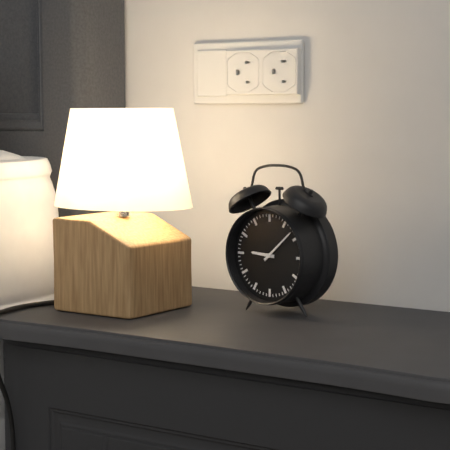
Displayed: **9:08**
